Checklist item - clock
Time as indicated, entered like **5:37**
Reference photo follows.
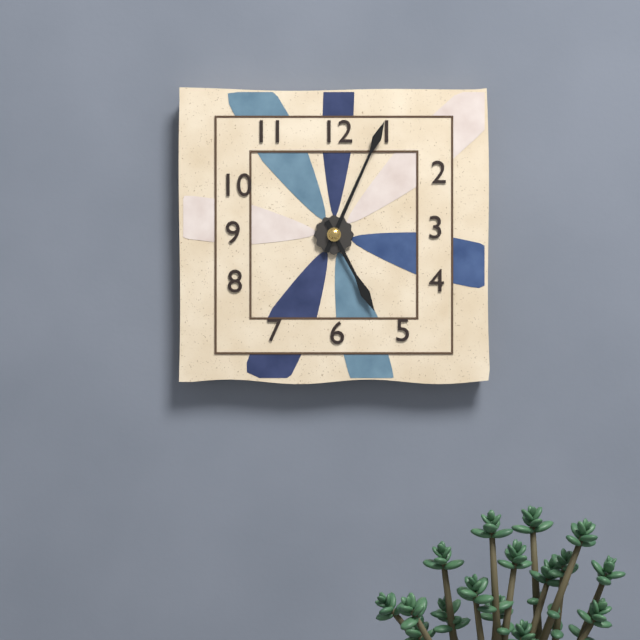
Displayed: **5:04**
